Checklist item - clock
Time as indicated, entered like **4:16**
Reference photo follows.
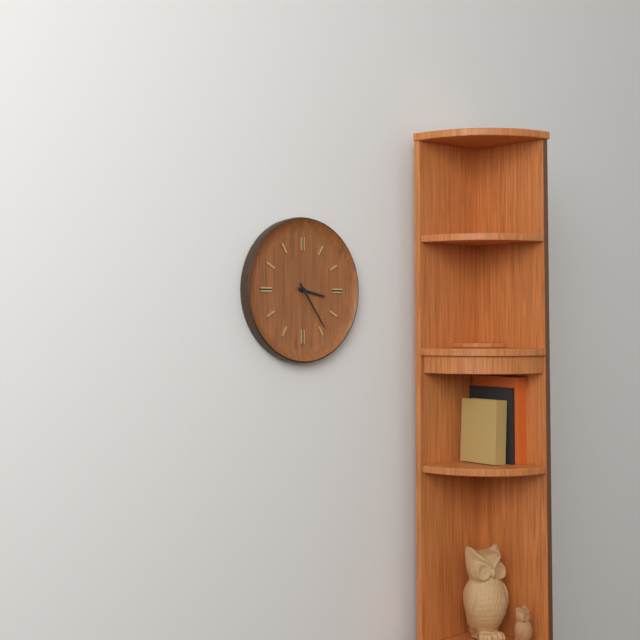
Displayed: **3:24**
